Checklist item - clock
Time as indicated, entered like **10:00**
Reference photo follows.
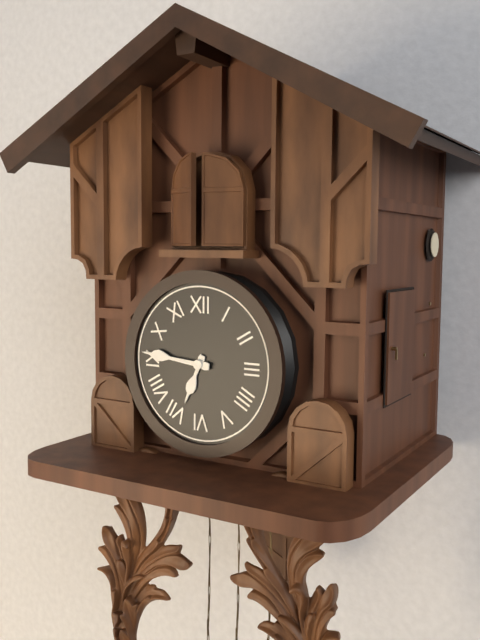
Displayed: **6:46**
